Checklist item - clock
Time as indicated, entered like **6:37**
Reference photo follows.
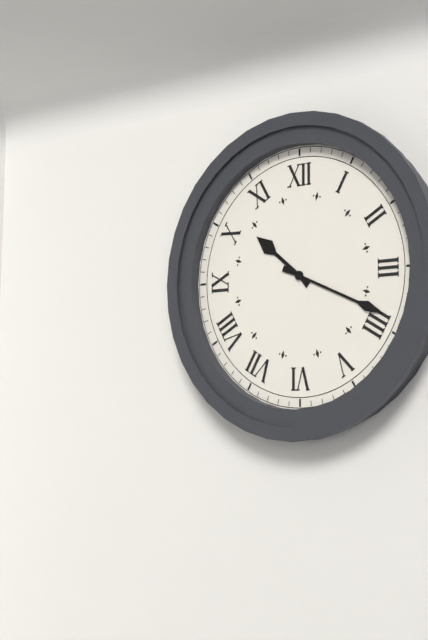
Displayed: **10:19**
